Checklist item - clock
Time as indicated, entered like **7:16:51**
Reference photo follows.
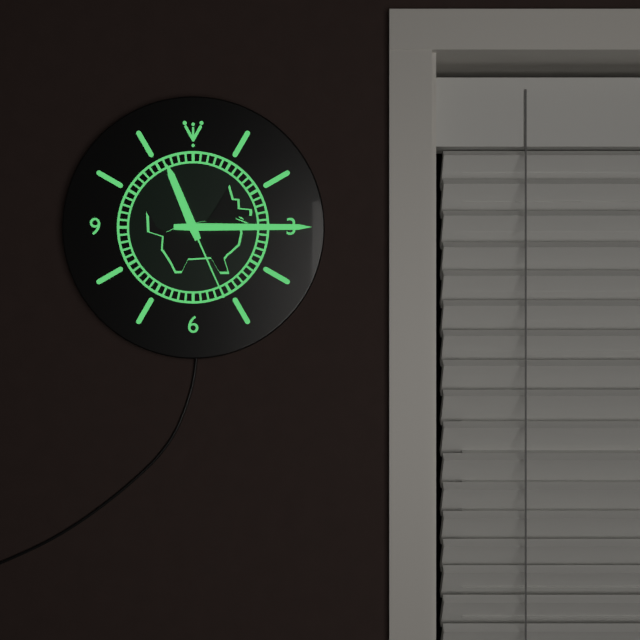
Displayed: **11:15:26**
